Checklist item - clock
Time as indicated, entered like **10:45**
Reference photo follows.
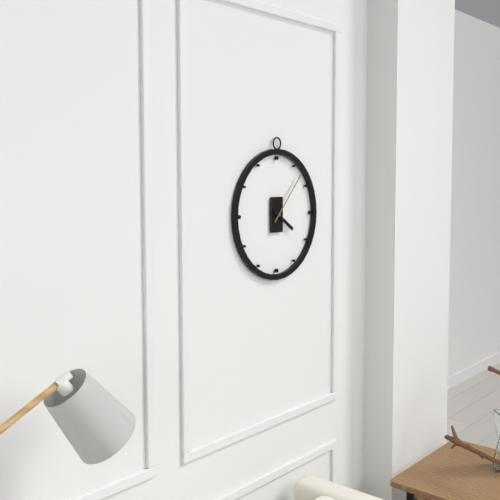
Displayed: **4:07**
